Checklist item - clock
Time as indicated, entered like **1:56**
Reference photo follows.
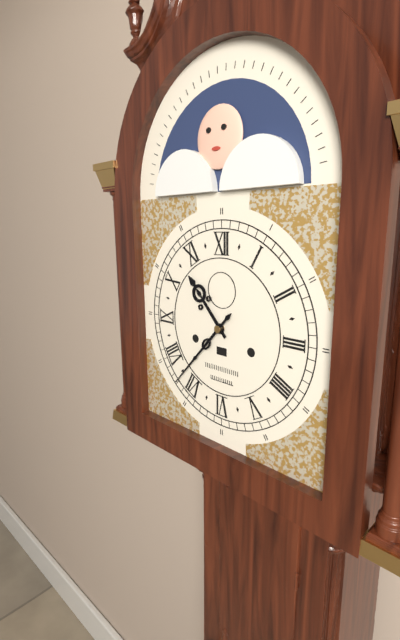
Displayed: **10:37**
